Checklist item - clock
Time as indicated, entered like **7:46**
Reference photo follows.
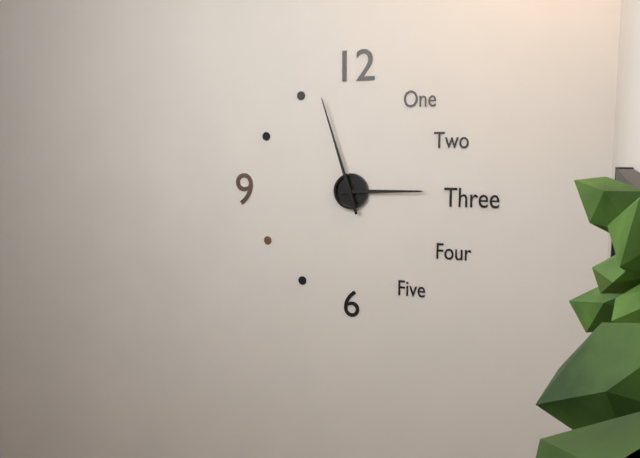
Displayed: **2:57**
